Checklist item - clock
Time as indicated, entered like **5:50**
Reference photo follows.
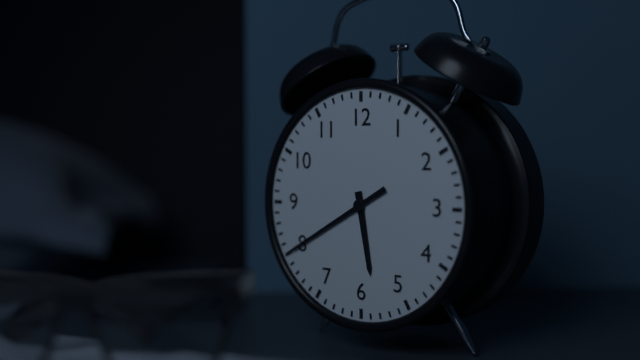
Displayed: **5:40**
